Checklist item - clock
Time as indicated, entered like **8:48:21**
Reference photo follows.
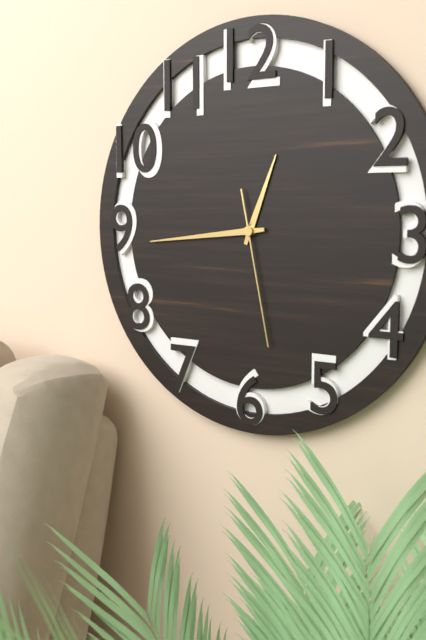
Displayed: **12:44:28**
